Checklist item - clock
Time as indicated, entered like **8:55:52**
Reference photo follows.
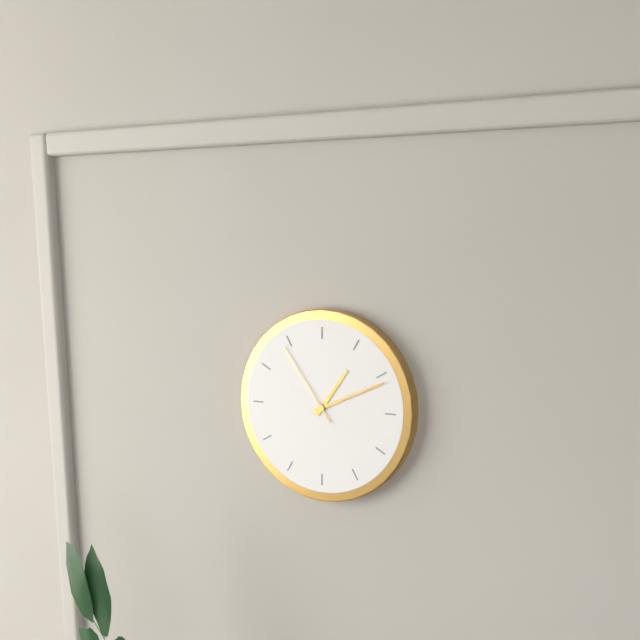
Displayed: **1:11:54**
